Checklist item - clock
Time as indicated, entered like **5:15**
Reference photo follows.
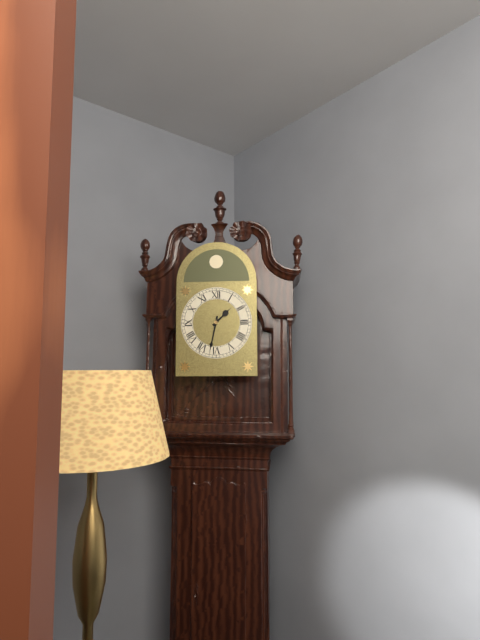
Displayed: **1:32**
